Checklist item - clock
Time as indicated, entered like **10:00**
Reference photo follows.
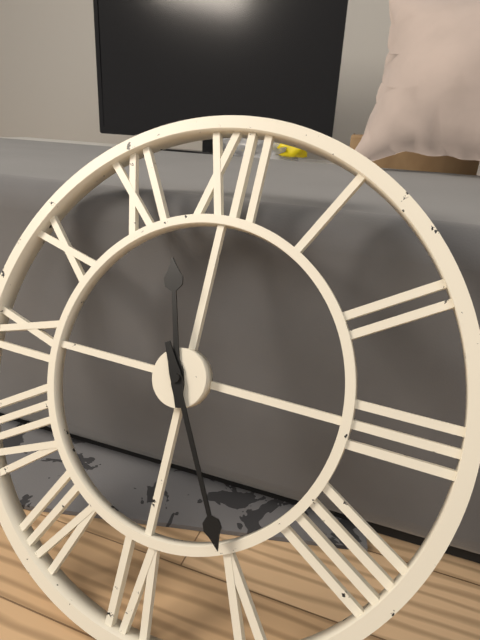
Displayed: **11:25**
